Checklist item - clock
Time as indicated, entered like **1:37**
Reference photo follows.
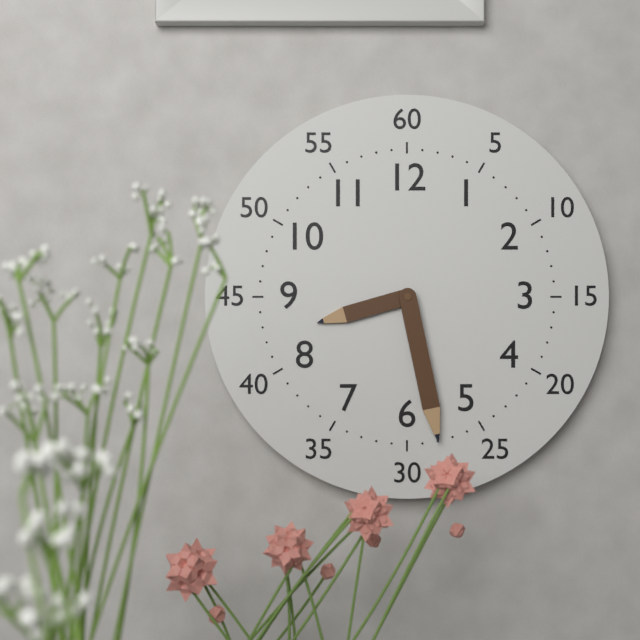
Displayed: **8:28**
